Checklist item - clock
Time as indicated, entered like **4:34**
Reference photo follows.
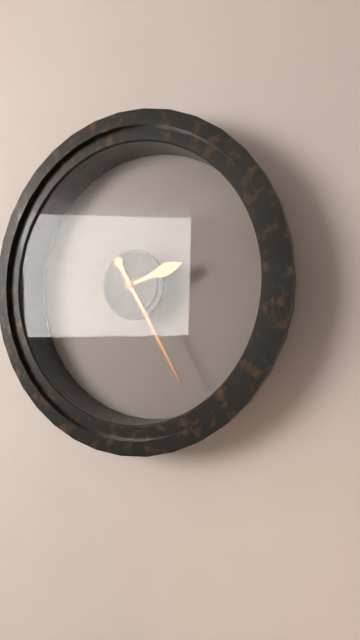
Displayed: **2:25**
